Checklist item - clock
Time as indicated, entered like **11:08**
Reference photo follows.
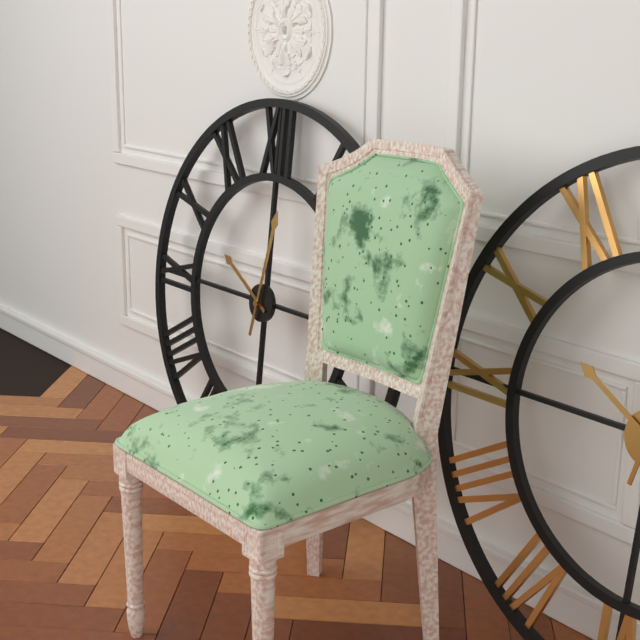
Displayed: **10:02**
